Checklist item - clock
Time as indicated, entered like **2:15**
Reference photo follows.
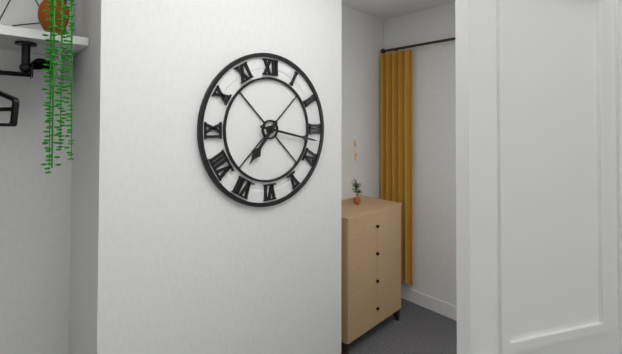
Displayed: **7:17**
